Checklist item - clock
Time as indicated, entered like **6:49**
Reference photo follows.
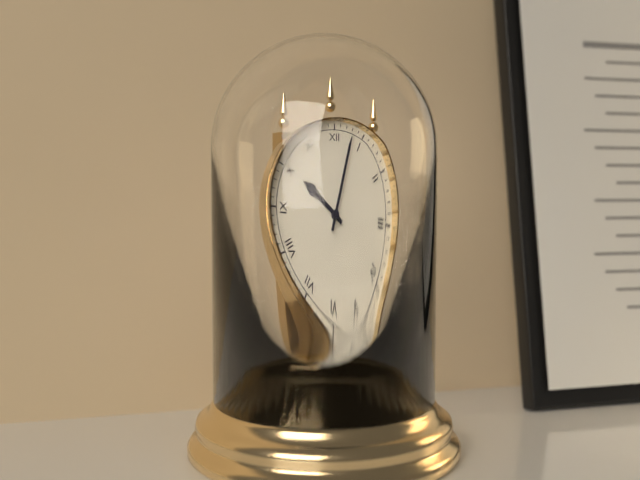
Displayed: **10:03**
